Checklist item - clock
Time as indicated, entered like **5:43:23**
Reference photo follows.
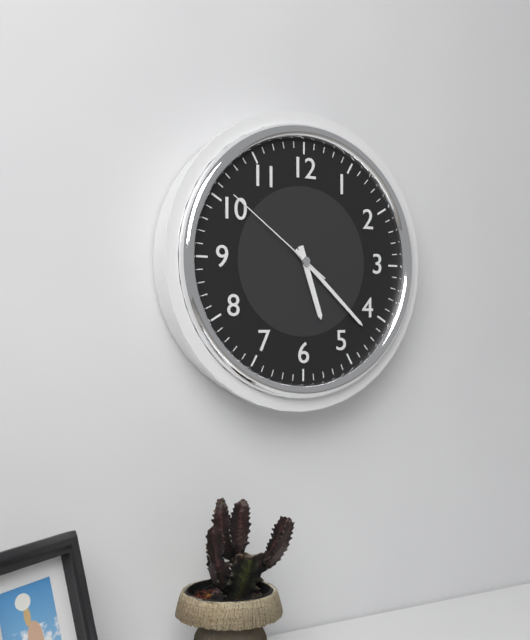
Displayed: **5:22:51**
